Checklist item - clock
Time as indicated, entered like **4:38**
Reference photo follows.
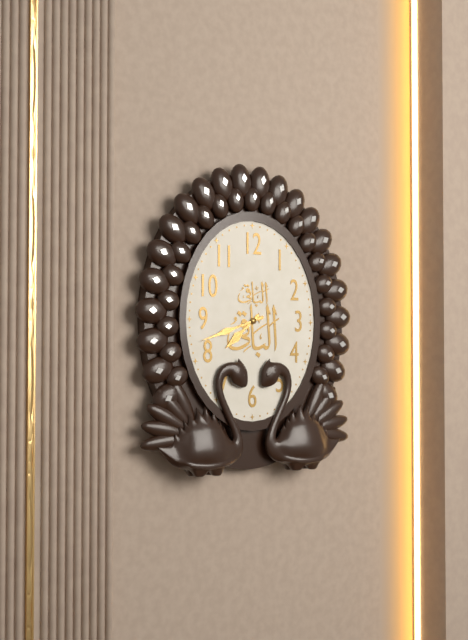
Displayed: **7:42**
